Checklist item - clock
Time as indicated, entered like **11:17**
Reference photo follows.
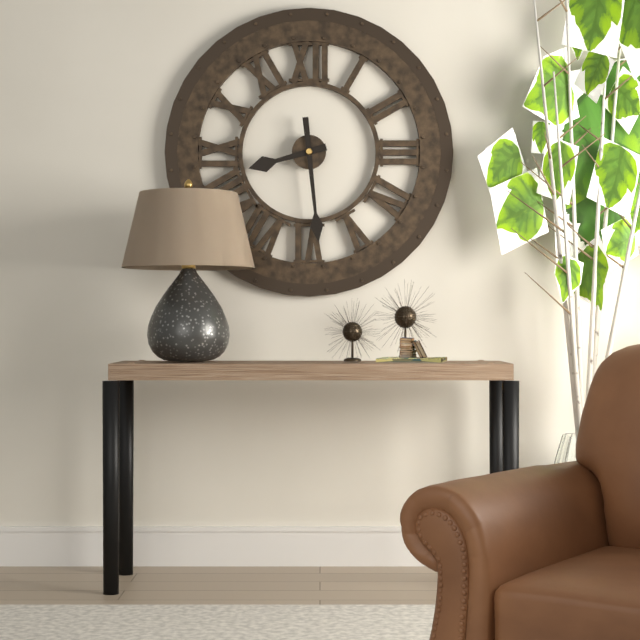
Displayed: **8:29**
